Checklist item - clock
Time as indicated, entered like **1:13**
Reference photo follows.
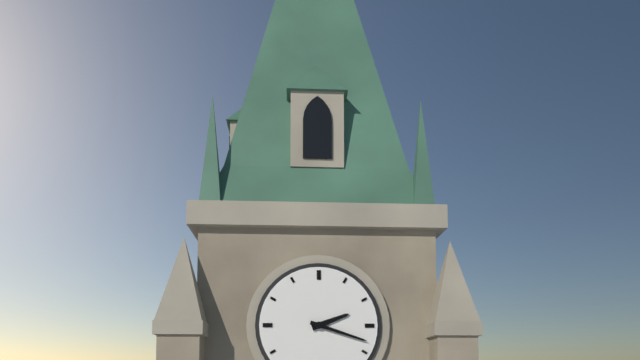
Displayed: **2:18**
